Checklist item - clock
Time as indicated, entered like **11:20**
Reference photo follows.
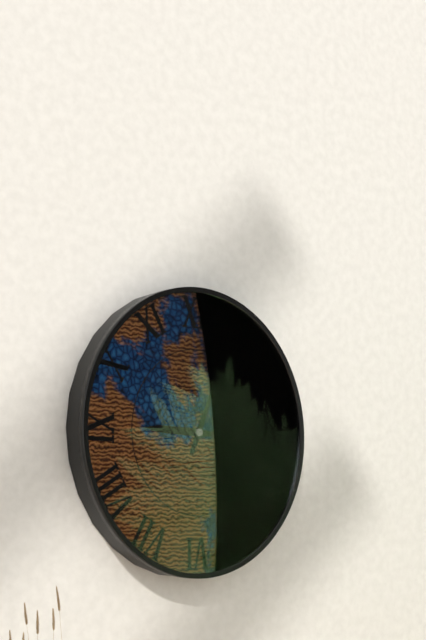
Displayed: **9:04**
